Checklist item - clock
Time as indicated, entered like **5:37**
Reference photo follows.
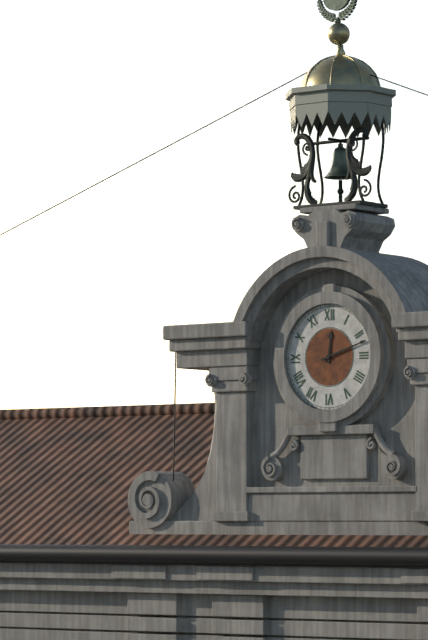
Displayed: **12:12**
